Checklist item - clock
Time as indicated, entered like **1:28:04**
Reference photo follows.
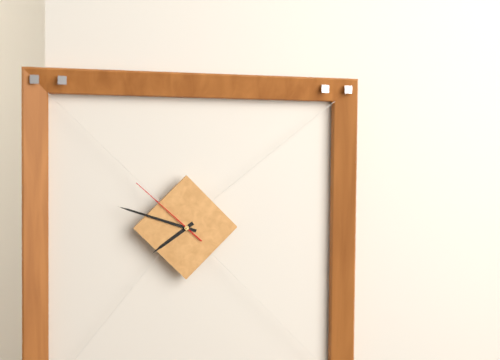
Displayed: **7:48:52**
